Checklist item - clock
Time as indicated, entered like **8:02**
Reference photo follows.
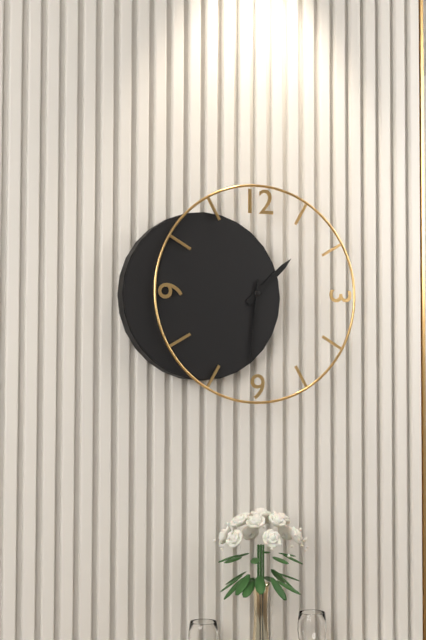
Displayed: **1:31**
